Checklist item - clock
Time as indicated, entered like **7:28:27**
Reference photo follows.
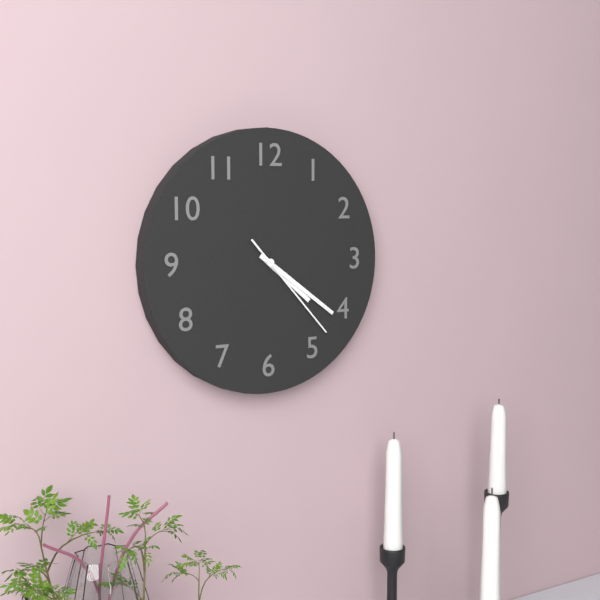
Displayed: **4:21:23**
